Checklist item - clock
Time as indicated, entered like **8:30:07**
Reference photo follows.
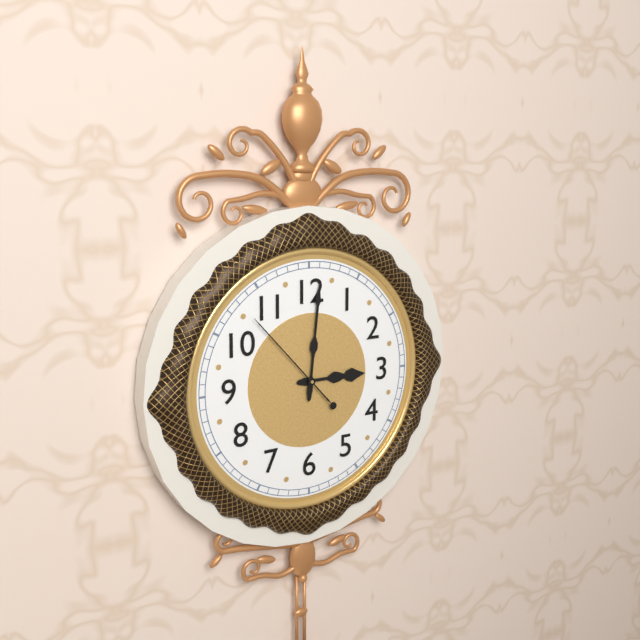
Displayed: **3:01:53**
